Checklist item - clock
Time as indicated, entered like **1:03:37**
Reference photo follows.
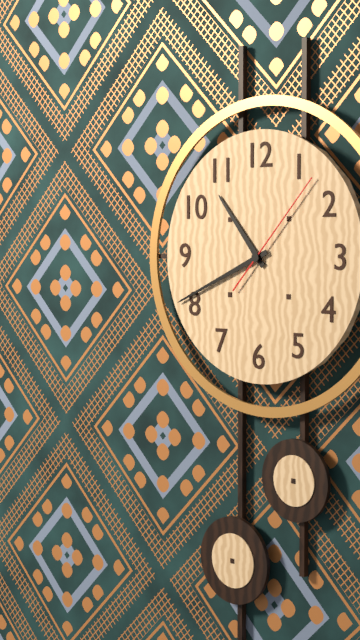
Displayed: **10:41:07**
